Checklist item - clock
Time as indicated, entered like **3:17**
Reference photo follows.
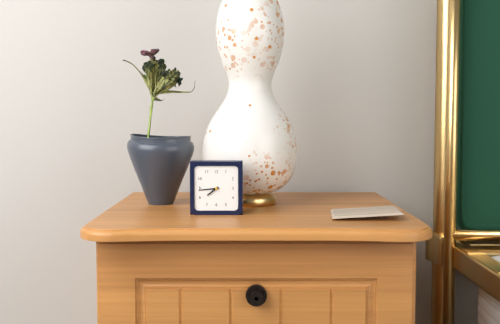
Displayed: **7:44**
